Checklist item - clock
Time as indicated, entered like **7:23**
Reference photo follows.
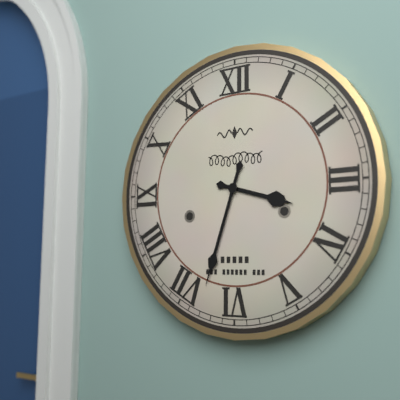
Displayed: **3:33**
